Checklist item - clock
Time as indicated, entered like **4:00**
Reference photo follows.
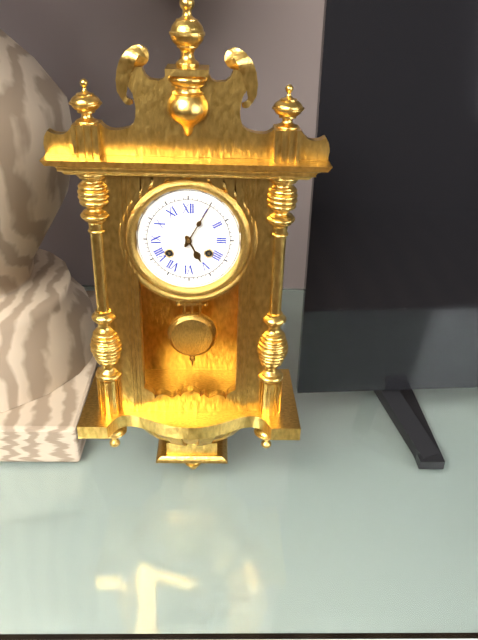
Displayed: **5:05**
